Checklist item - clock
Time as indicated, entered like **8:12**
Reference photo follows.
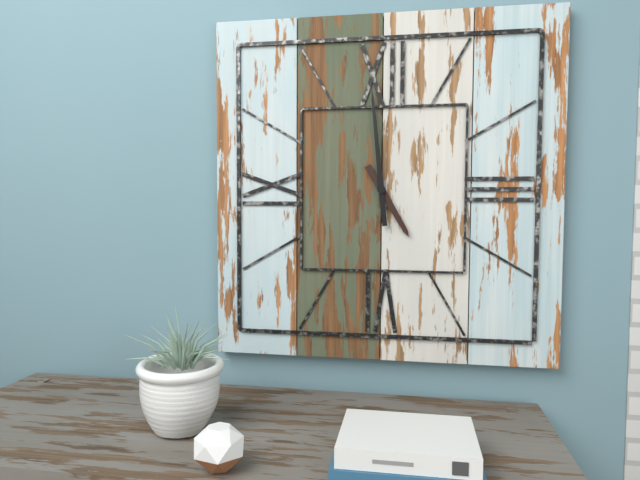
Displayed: **4:59**
